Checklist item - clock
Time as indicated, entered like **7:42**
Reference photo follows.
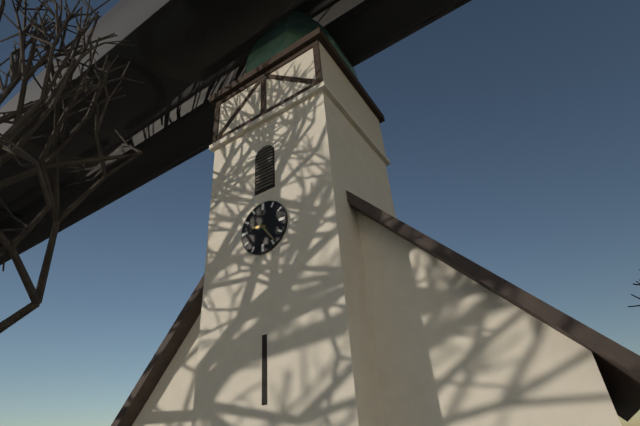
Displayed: **9:24**
